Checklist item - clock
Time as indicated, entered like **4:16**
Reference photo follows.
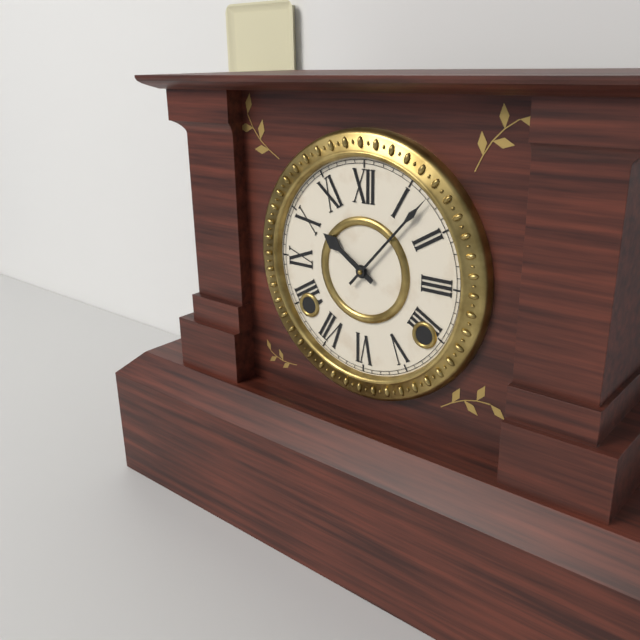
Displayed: **10:07**
